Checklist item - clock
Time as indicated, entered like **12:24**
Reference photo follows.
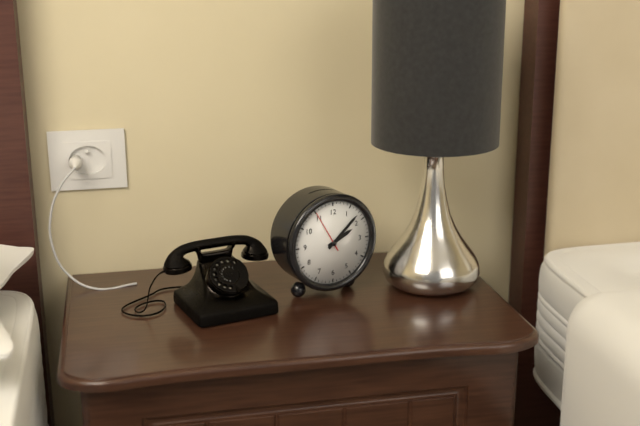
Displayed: **2:08**
